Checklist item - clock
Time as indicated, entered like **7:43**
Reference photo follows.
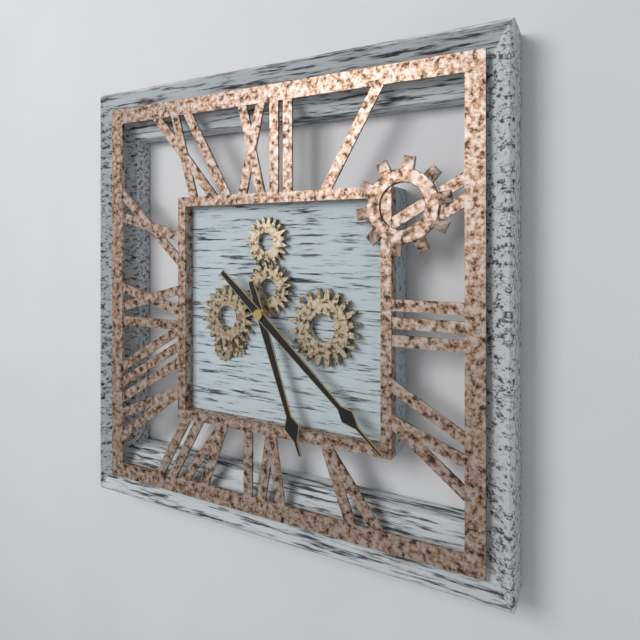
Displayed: **5:22**
